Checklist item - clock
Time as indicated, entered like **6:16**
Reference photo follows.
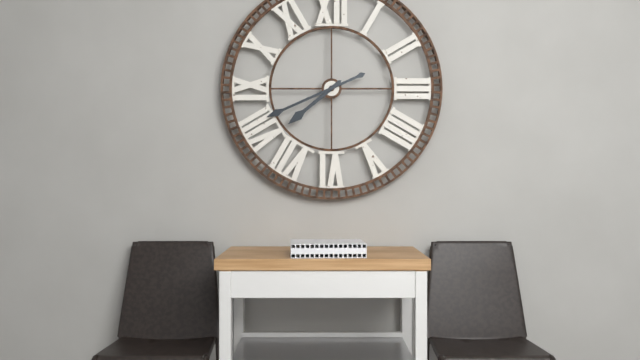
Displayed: **7:41**
